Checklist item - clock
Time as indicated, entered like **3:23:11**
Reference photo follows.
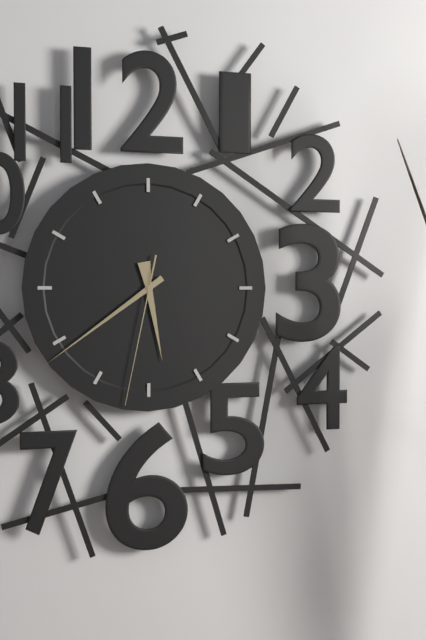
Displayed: **5:39:32**
